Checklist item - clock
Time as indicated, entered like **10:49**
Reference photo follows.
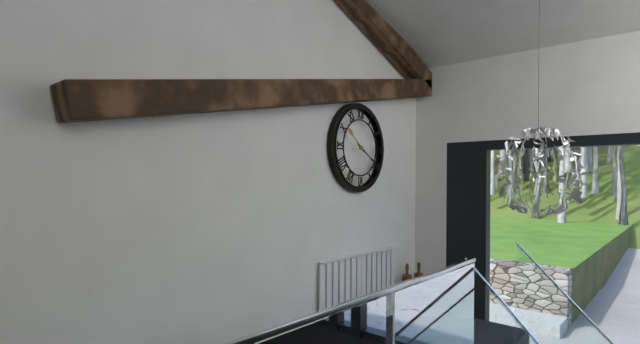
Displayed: **10:20**
